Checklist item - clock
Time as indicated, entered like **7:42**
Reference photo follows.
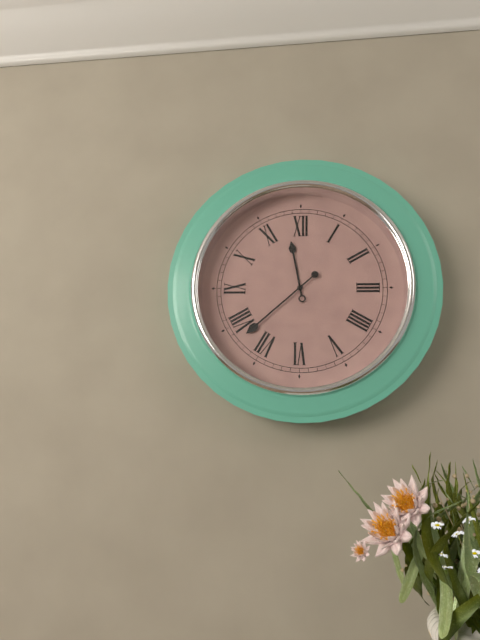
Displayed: **11:38**
